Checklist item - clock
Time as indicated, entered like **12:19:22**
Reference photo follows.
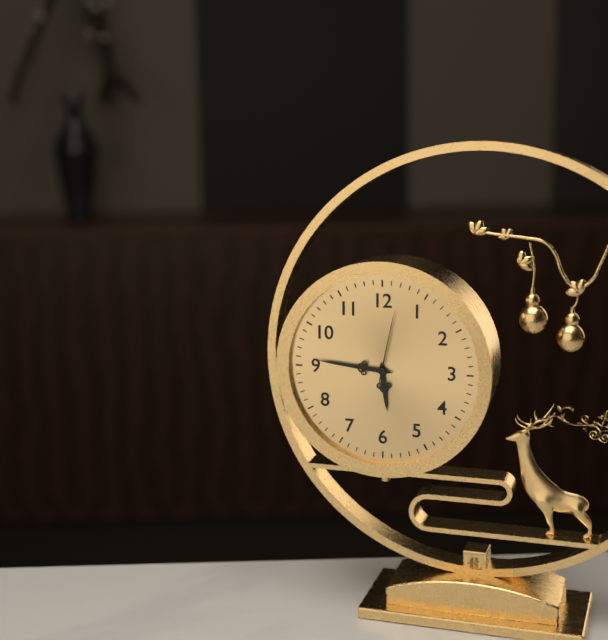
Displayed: **5:46:02**
